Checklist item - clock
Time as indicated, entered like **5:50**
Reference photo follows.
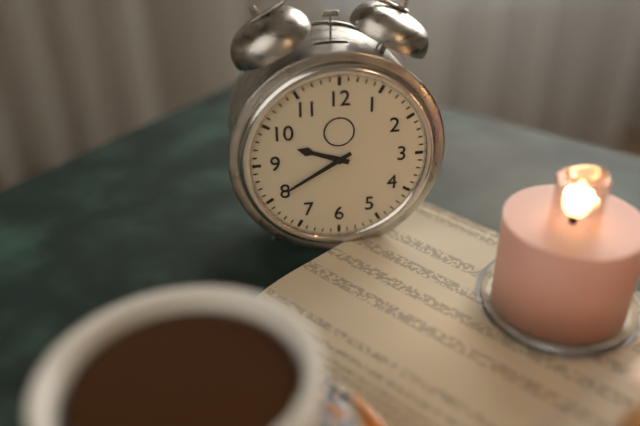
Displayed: **9:40**
